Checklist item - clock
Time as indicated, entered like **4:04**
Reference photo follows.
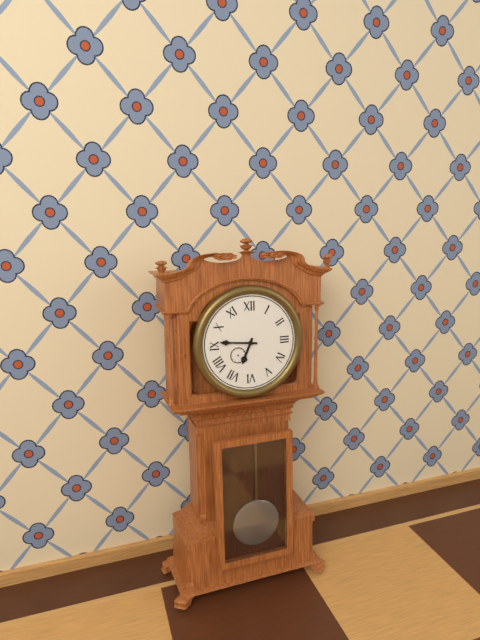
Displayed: **6:46**
